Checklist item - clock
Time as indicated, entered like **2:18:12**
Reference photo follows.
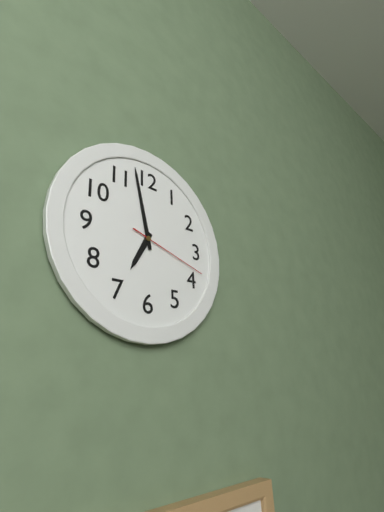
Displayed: **6:58:18**
